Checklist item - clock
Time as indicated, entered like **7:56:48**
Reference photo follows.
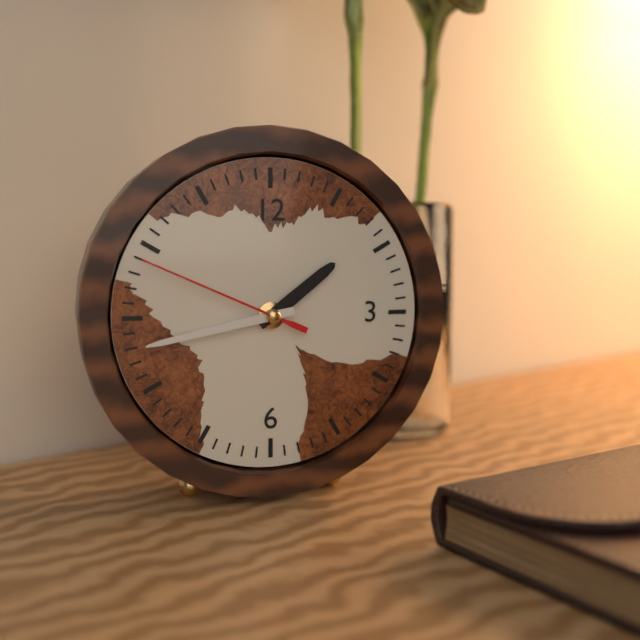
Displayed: **1:43:49**
